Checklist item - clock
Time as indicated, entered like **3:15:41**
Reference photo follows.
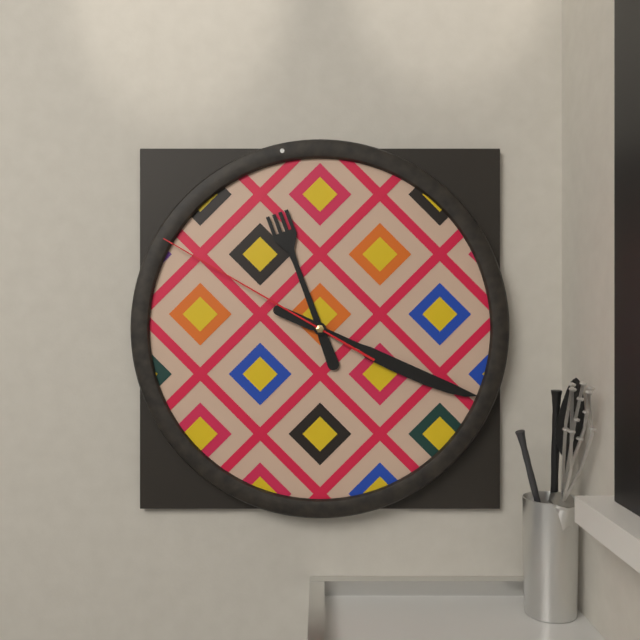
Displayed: **11:19:50**
